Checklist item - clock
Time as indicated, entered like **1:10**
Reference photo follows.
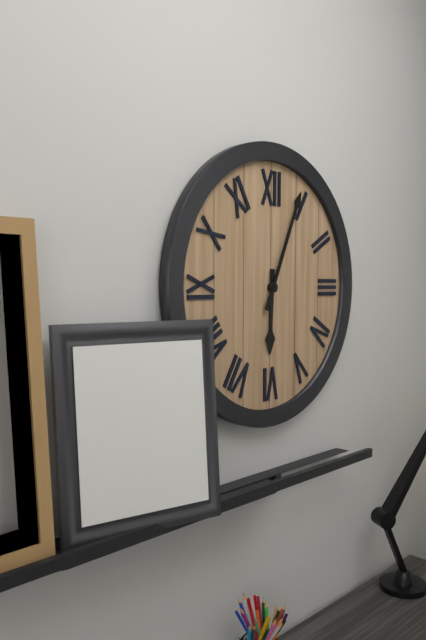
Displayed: **6:04**
